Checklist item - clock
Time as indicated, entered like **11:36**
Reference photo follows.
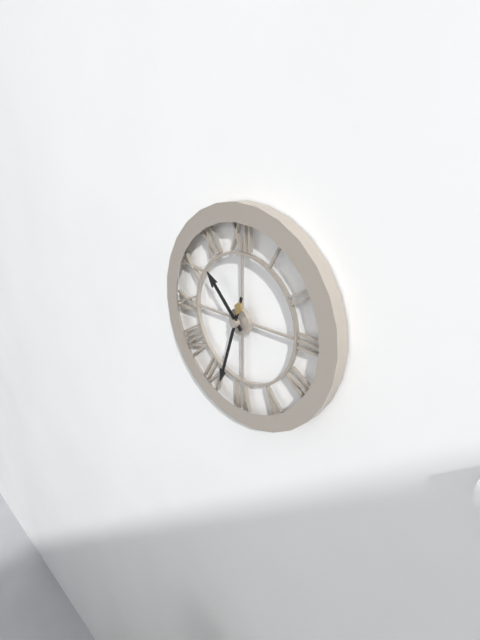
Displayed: **10:33**
